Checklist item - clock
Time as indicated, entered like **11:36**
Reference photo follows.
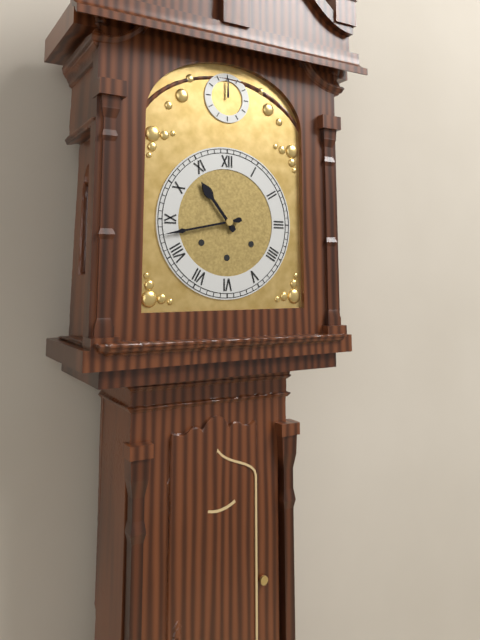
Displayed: **10:43**
